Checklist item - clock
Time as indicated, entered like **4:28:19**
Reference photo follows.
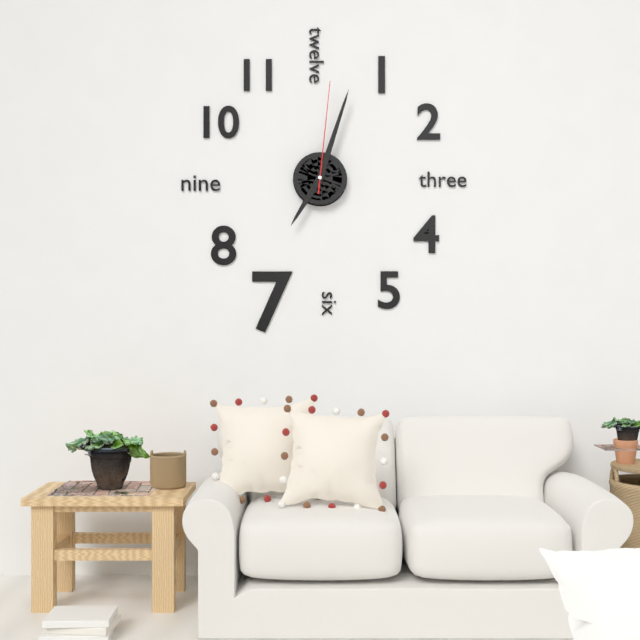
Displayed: **7:03:01**
